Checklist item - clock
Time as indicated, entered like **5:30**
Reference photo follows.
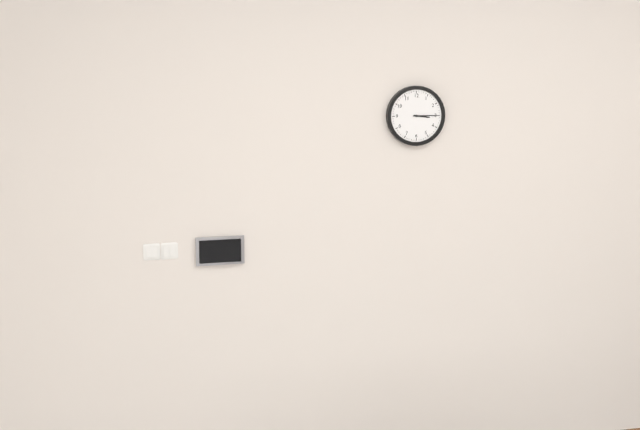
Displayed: **3:15**
